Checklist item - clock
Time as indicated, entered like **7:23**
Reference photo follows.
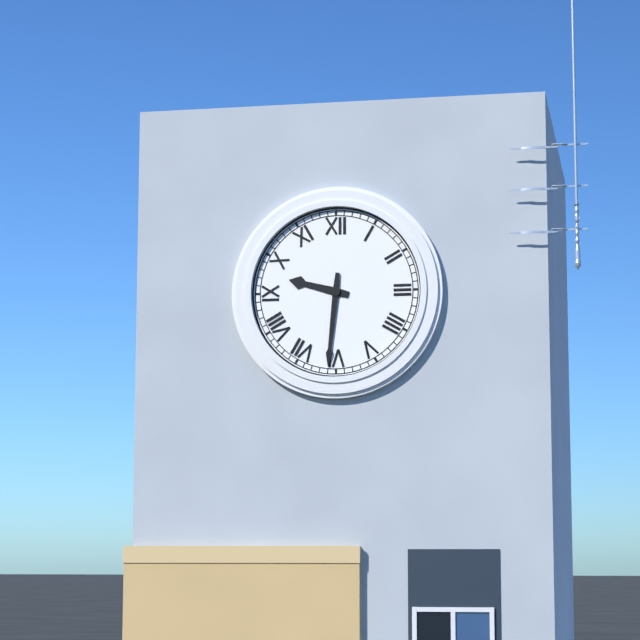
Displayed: **9:31**
